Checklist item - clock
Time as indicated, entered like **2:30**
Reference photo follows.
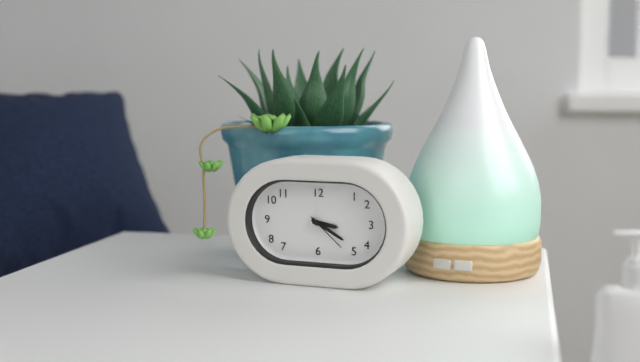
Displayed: **3:20**
